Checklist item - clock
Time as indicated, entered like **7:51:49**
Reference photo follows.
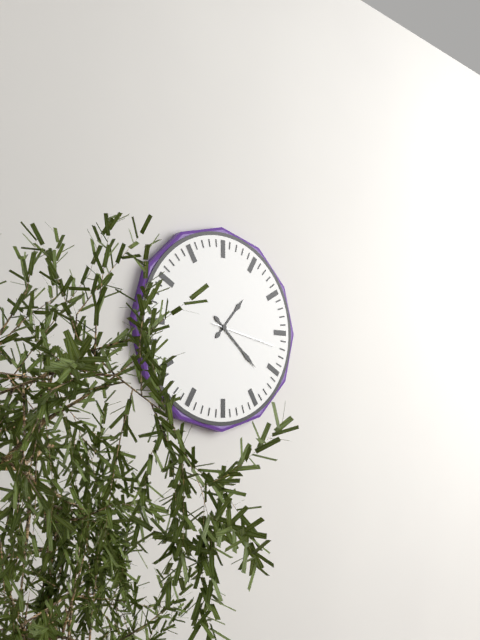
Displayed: **1:22:17**
